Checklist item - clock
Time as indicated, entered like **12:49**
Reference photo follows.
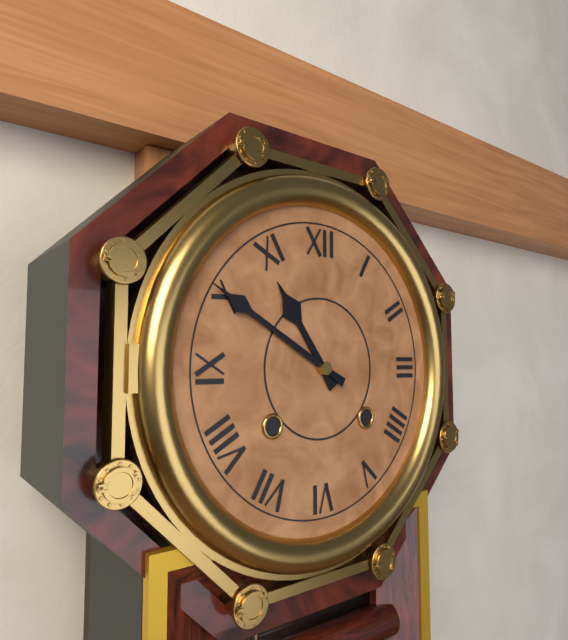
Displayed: **10:50**
